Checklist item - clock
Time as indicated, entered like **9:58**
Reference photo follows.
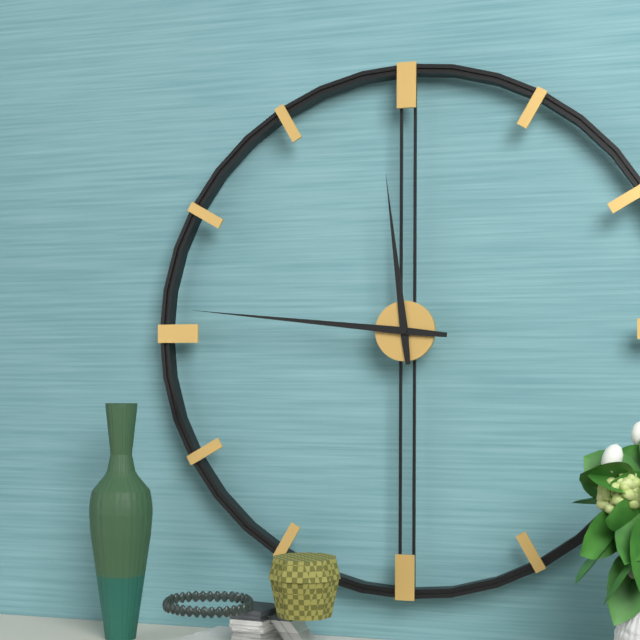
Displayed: **11:46**
